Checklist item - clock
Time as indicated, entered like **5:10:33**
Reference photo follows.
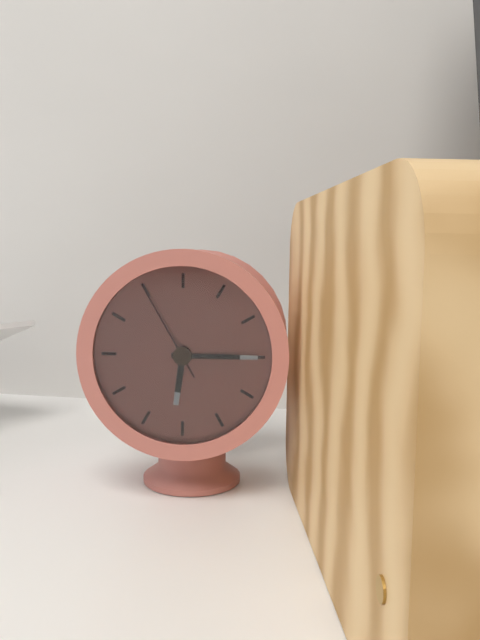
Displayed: **6:15:55**
